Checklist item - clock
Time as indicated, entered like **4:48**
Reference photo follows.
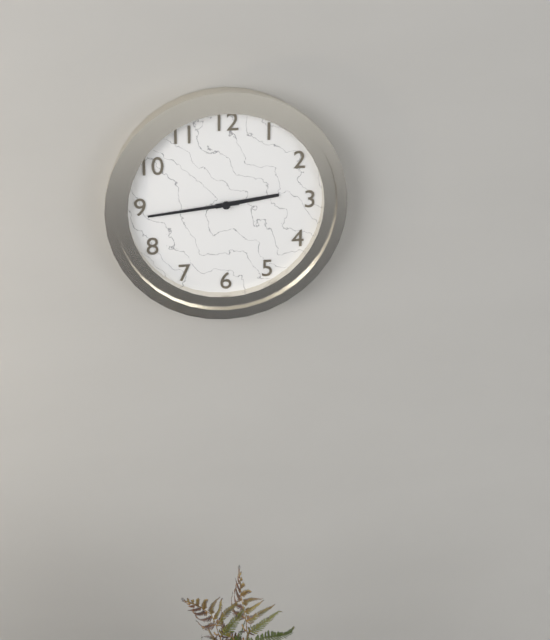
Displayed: **2:44**
